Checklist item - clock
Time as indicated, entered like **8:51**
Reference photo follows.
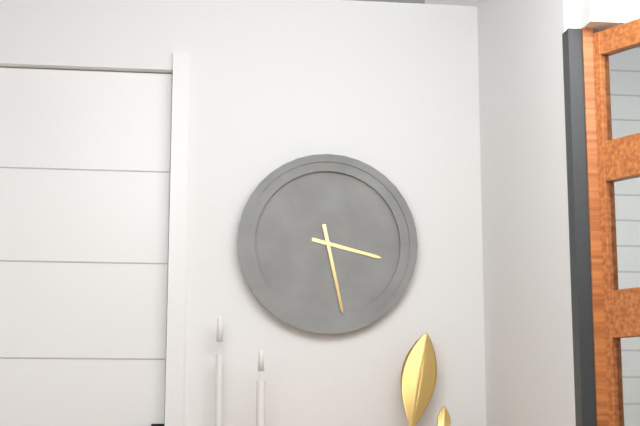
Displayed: **3:28**
